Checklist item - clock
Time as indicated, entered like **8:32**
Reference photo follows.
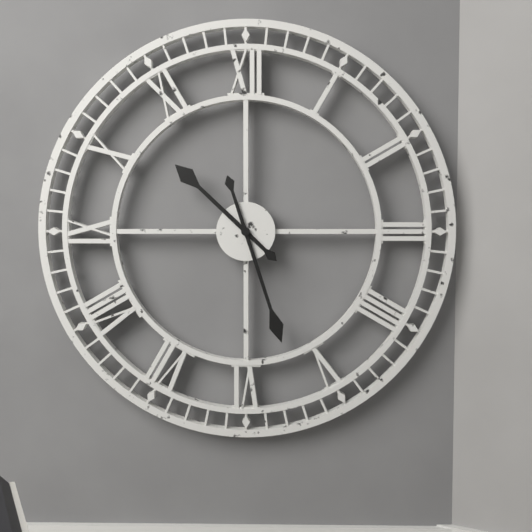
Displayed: **10:27**
